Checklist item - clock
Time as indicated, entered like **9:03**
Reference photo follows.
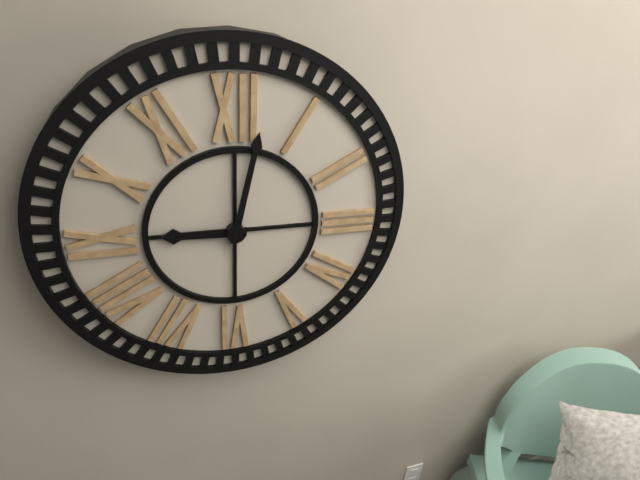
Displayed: **9:02**
